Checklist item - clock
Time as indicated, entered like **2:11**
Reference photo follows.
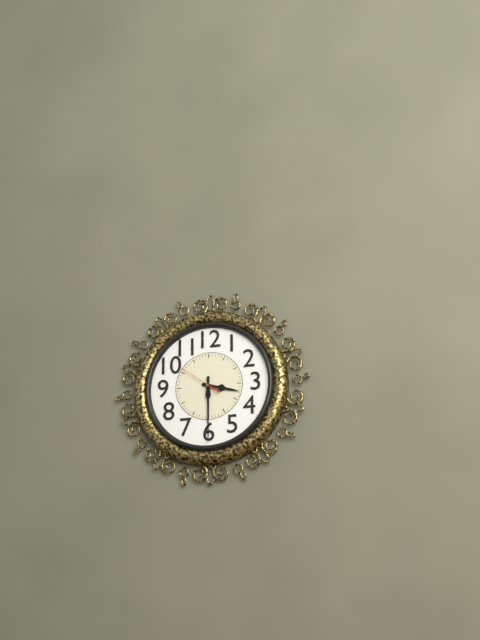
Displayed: **3:30**
